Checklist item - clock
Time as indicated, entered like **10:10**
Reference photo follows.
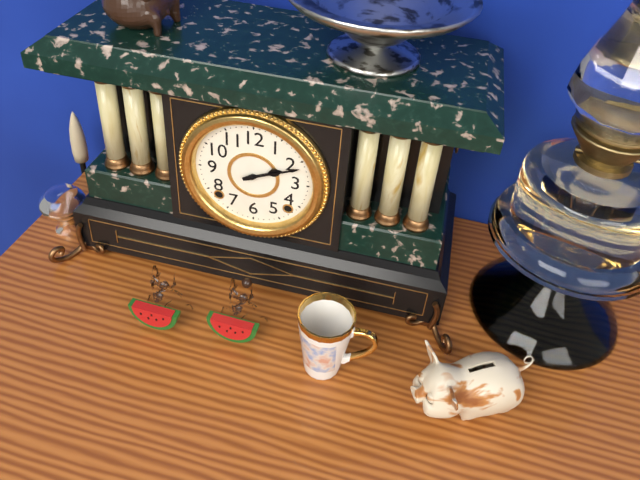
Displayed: **2:11**
